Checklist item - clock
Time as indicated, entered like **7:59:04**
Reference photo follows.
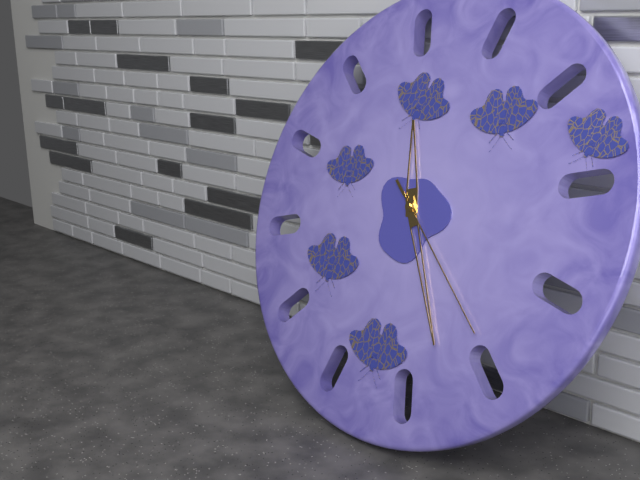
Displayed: **11:25:22**
